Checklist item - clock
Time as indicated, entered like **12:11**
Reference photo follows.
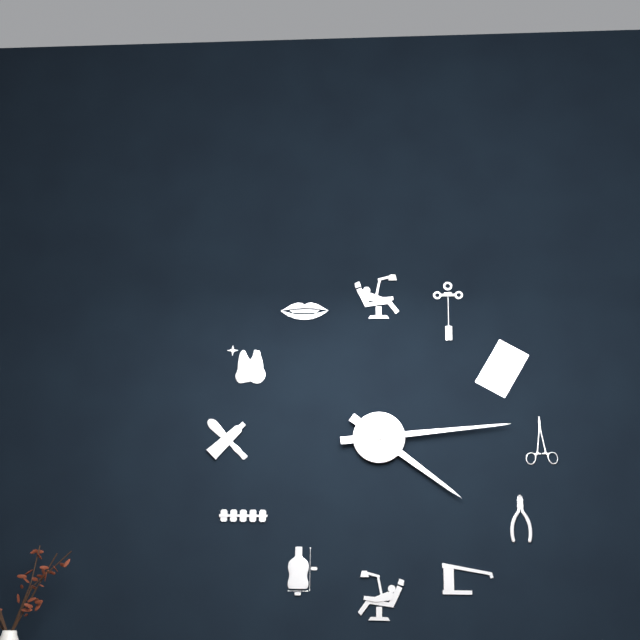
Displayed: **4:14**
